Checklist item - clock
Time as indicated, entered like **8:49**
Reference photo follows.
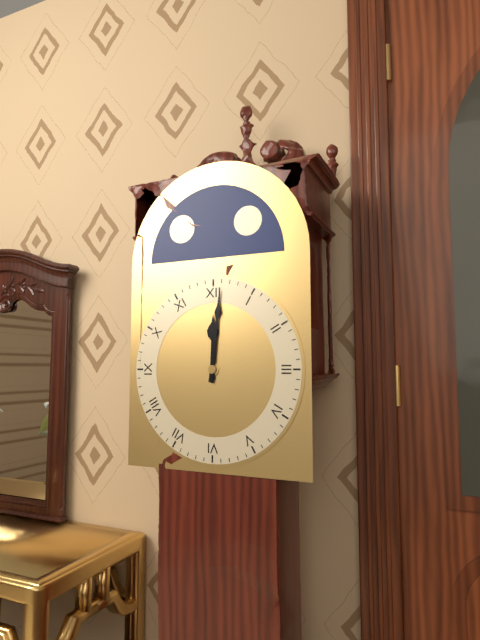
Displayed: **12:01**
